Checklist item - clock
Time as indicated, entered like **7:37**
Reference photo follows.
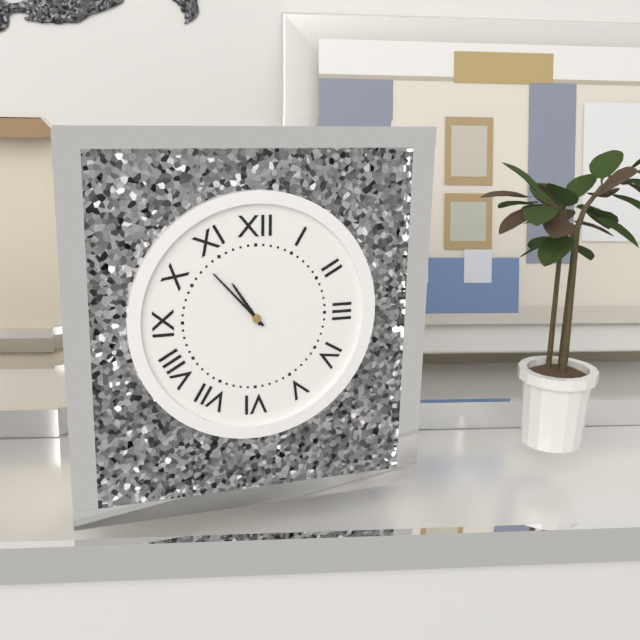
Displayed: **10:53**
